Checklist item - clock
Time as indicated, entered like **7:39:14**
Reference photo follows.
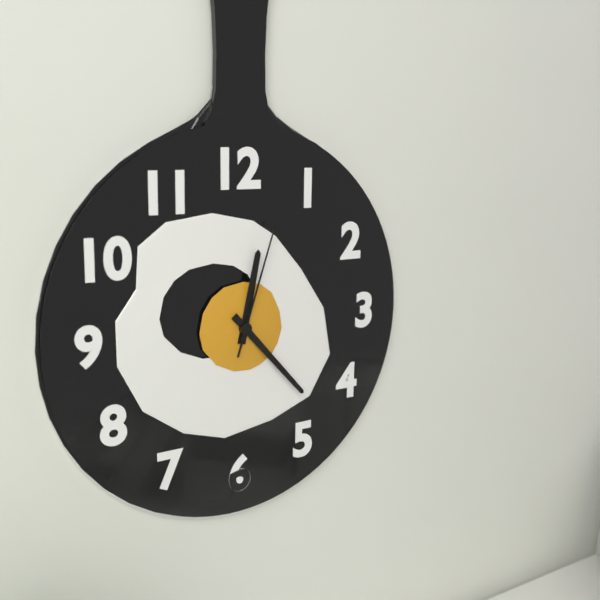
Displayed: **12:23:03**
